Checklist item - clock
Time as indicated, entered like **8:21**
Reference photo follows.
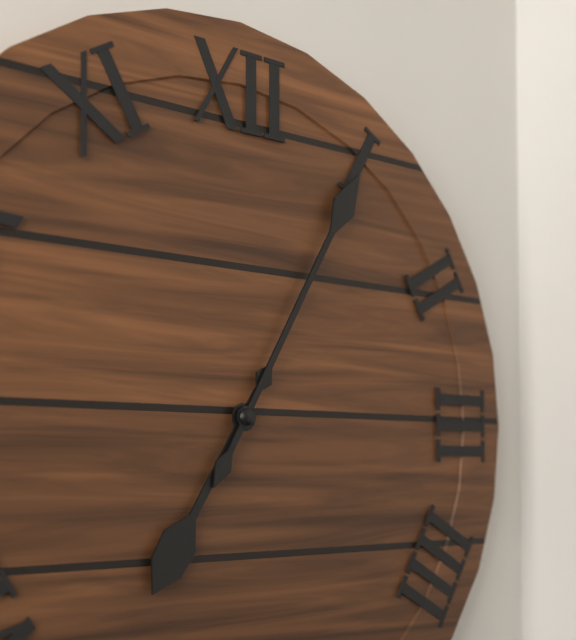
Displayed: **7:05**
